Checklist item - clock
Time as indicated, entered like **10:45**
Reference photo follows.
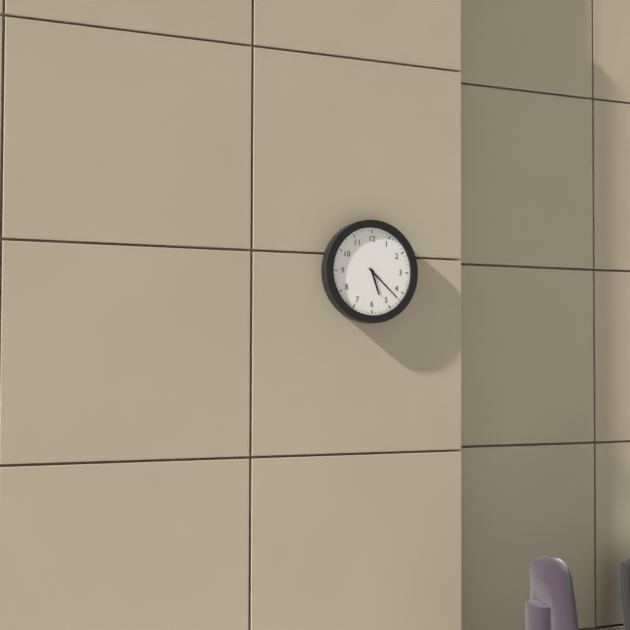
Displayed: **5:22**
